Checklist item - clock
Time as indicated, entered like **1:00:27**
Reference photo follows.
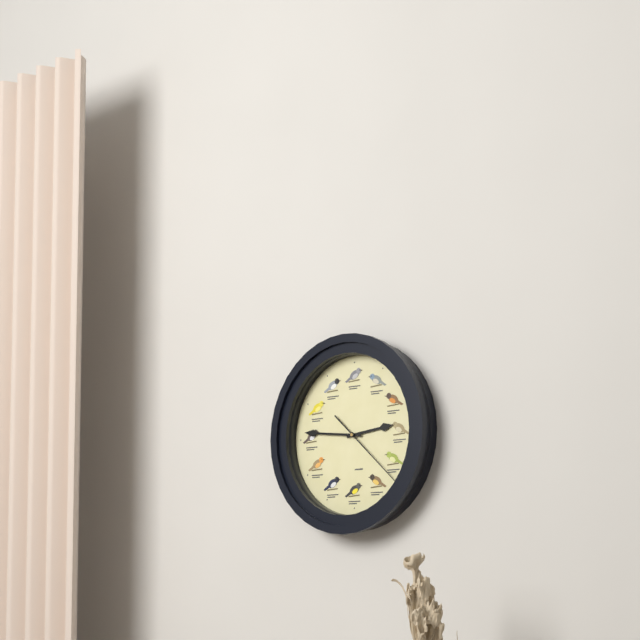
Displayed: **2:46:22**
